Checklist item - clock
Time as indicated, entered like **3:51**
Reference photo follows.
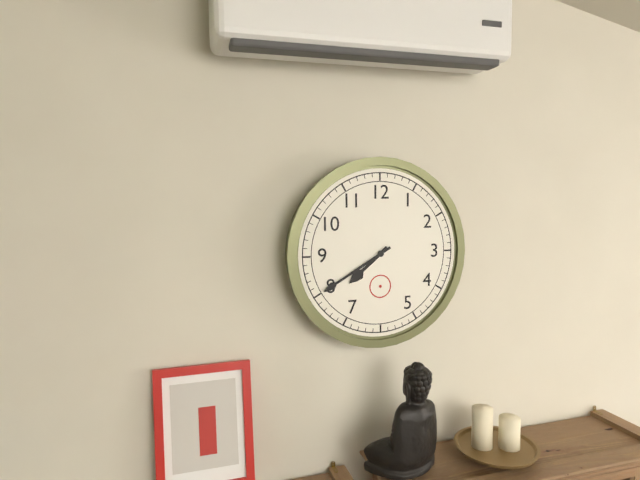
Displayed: **7:40**
